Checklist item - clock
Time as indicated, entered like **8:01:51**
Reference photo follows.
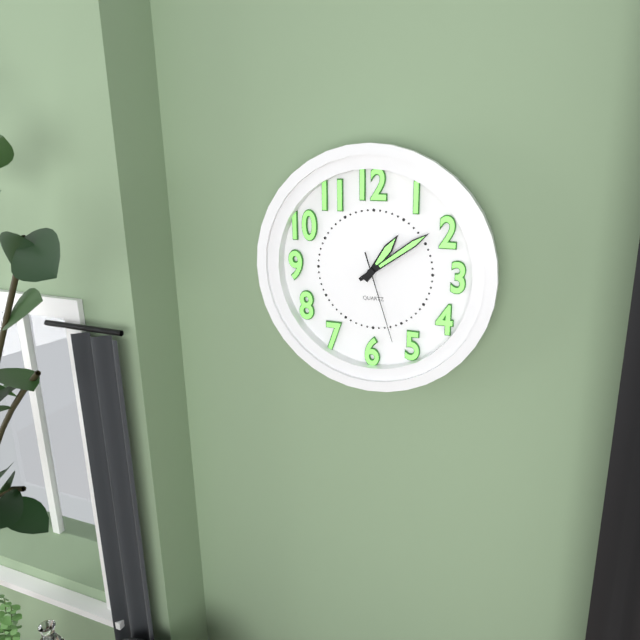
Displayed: **1:09:27**
